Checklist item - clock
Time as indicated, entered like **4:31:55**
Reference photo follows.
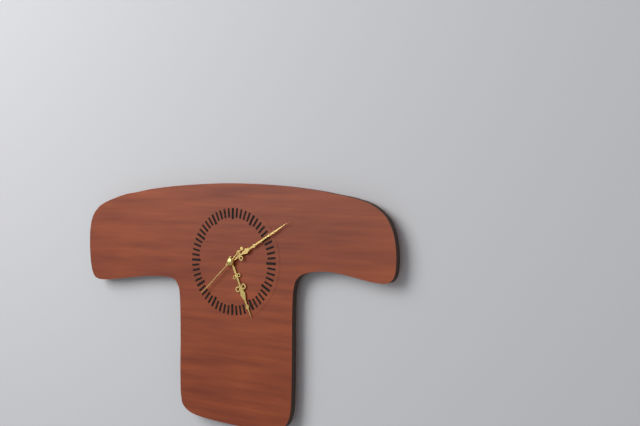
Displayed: **5:10:38**
